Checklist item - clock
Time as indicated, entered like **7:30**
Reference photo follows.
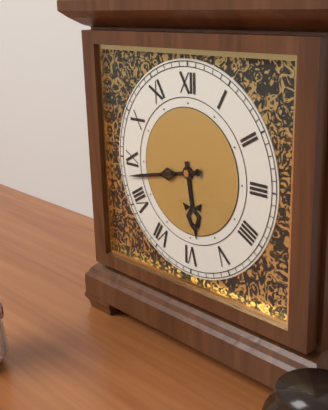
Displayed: **5:43**
